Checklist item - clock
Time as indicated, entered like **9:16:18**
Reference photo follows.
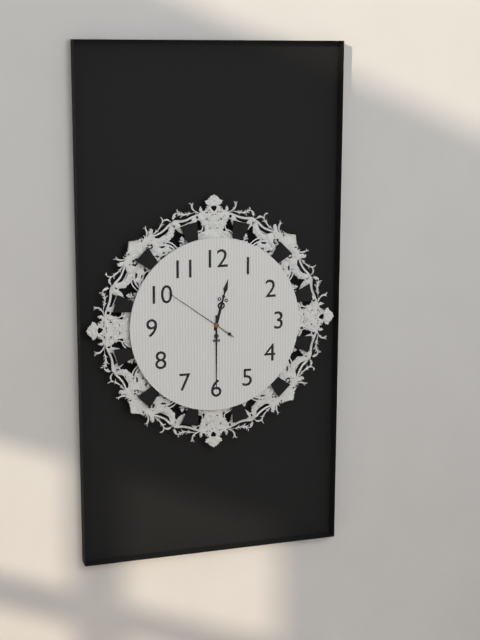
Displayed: **12:30:51**
